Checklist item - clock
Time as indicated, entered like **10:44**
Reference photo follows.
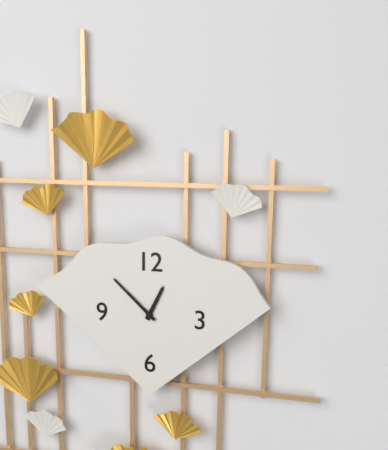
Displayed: **12:52**
